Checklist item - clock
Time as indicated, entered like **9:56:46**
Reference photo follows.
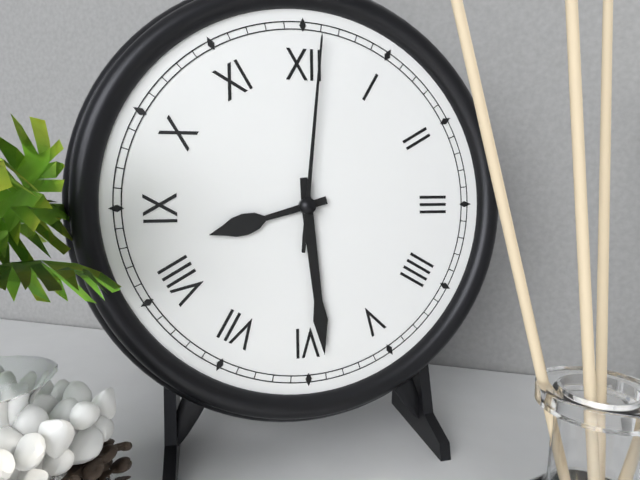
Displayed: **8:29:01**
